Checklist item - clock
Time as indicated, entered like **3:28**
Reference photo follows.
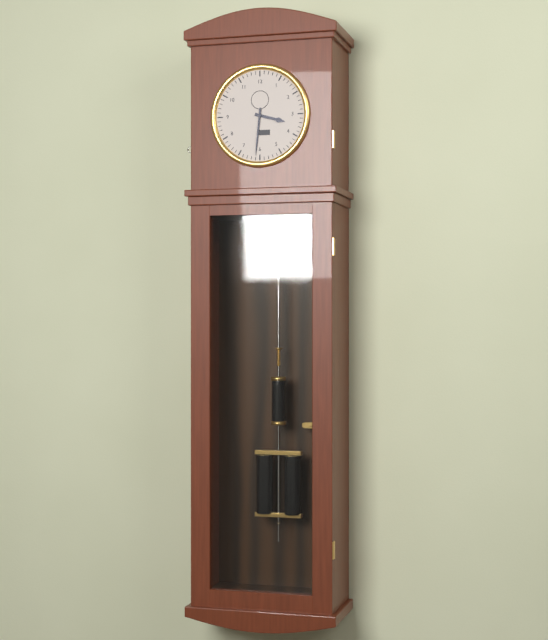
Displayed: **3:31**
